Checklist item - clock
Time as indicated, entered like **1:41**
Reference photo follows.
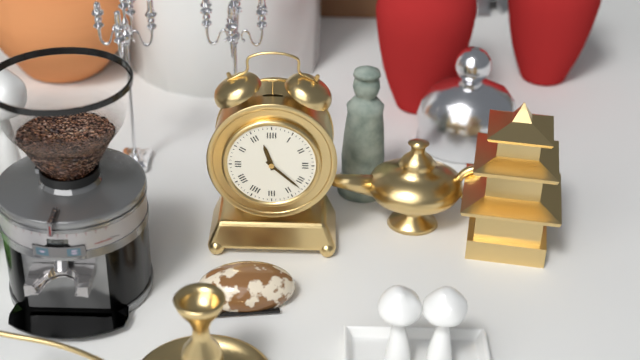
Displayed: **11:22**
